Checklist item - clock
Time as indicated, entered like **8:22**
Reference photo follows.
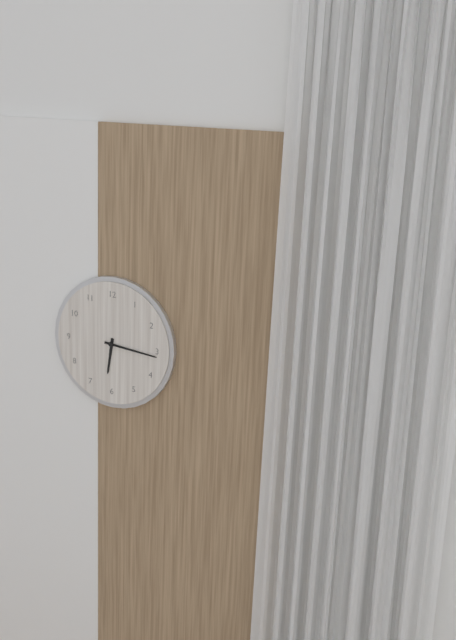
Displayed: **6:16**
